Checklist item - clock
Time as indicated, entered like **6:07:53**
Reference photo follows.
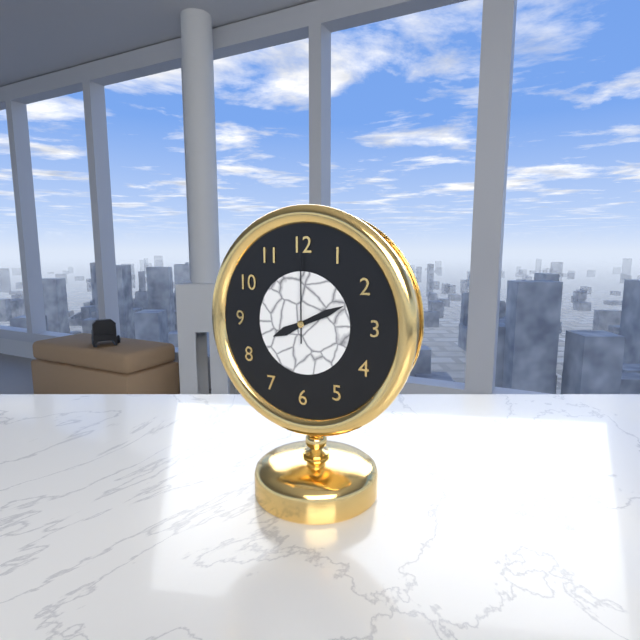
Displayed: **8:11:00**
